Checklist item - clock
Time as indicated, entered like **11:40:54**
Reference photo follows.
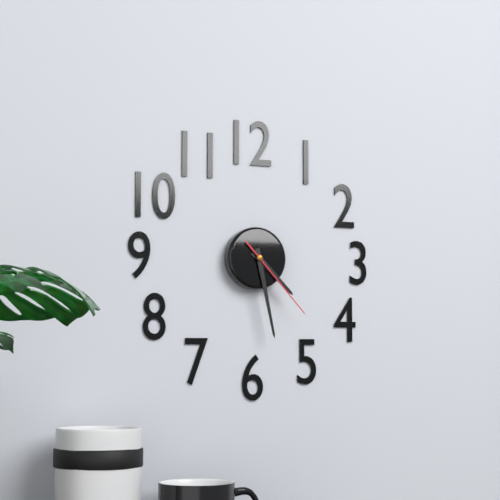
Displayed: **4:28:23**
